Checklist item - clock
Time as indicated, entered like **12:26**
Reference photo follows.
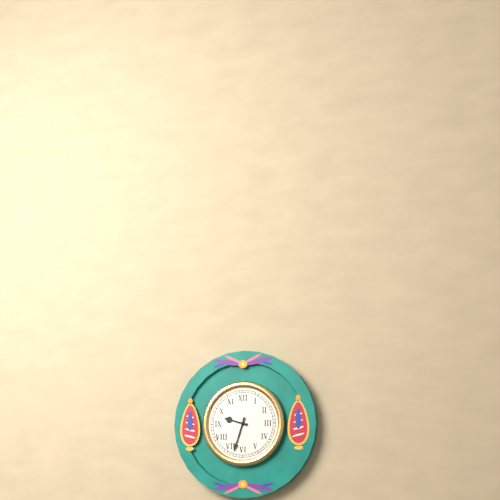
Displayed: **9:33**
